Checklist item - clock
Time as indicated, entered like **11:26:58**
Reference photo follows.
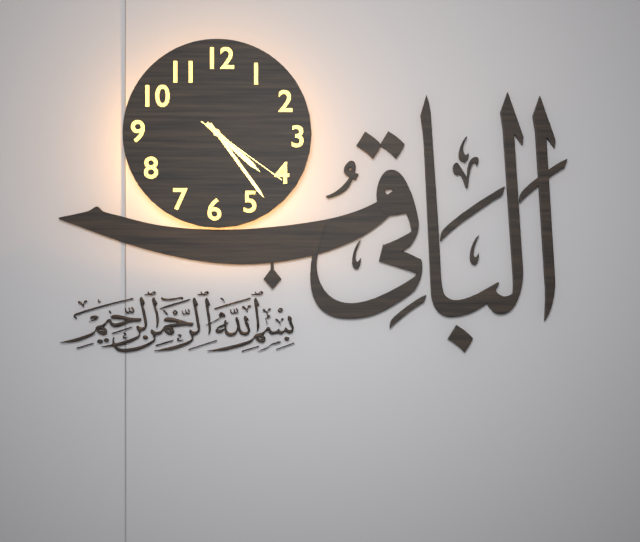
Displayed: **4:24:21**
